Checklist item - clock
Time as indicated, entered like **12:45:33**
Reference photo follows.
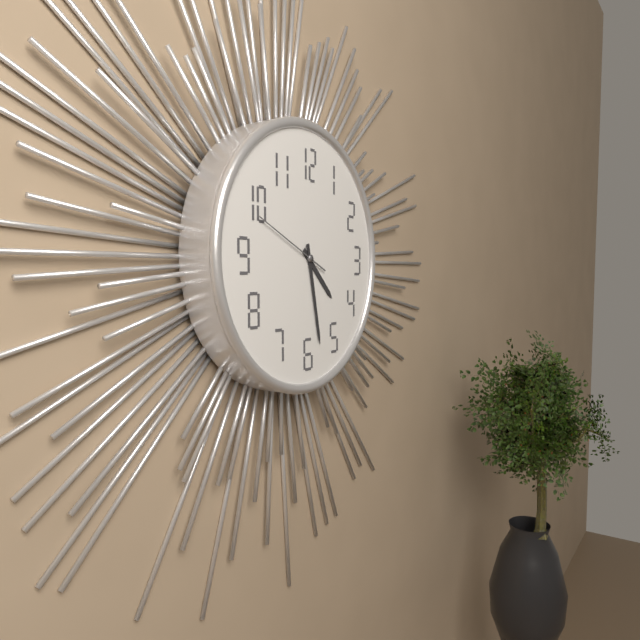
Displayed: **4:28:49**
